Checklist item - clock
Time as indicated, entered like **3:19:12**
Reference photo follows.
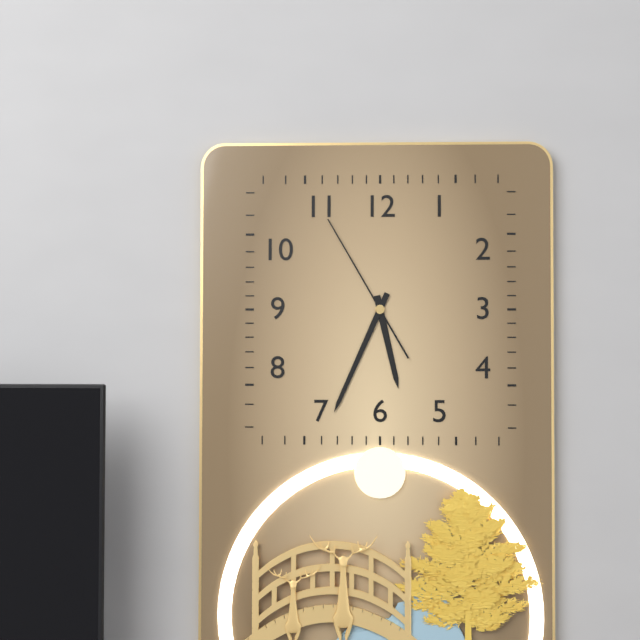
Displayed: **5:34:55**
